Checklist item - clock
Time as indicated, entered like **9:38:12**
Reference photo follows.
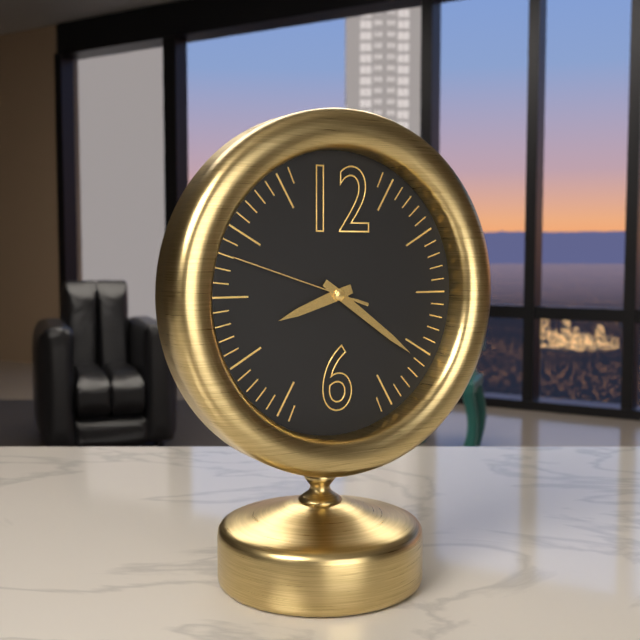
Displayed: **8:21:48**
